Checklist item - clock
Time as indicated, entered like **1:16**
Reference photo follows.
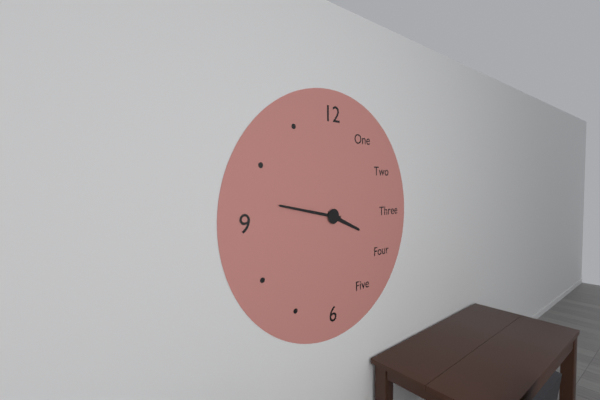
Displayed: **3:47**
